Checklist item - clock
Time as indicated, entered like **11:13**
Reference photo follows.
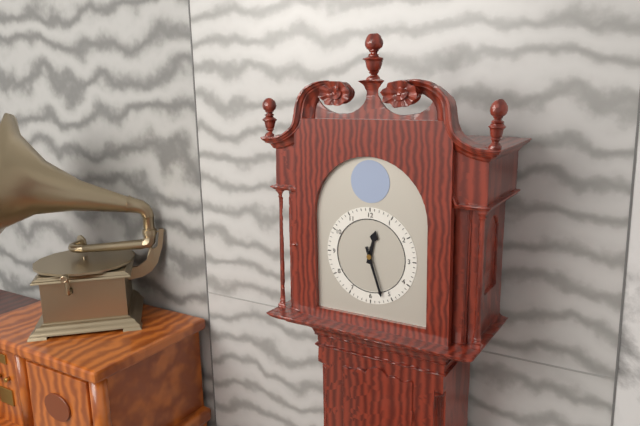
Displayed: **12:27**
